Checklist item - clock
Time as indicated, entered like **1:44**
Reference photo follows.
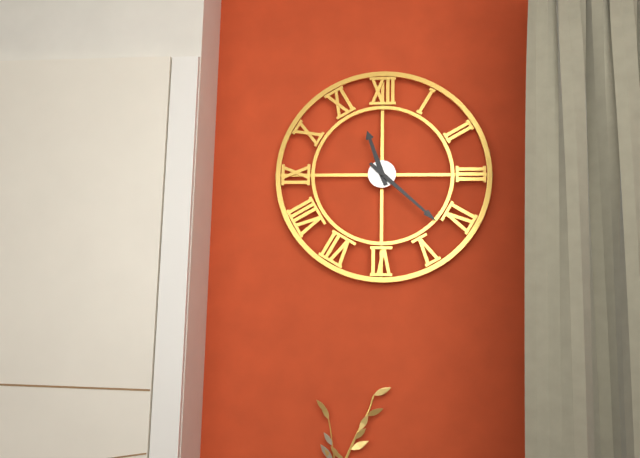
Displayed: **11:22**
